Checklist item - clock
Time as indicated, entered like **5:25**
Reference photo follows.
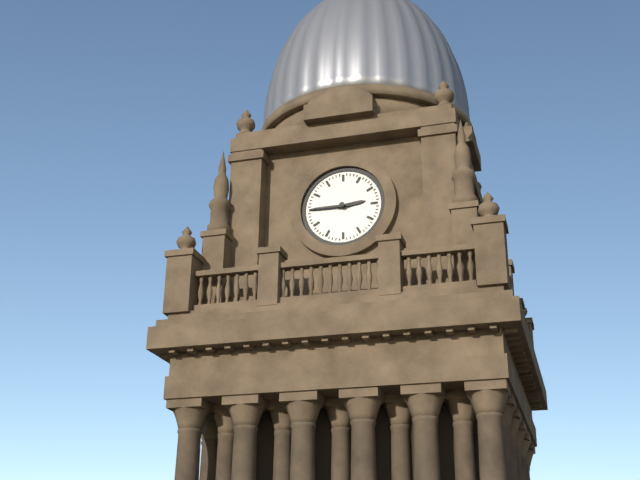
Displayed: **2:45**
